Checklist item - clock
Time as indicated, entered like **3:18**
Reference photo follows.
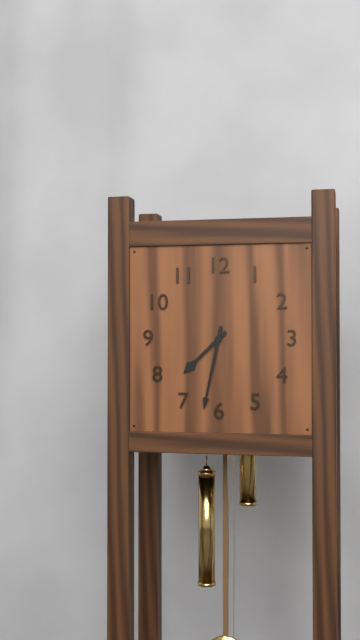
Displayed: **7:32**
